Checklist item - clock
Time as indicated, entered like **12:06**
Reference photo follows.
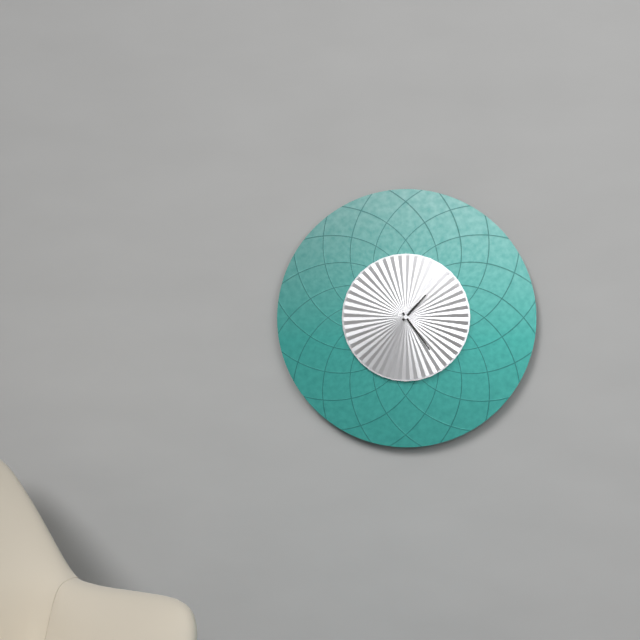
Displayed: **1:24**
